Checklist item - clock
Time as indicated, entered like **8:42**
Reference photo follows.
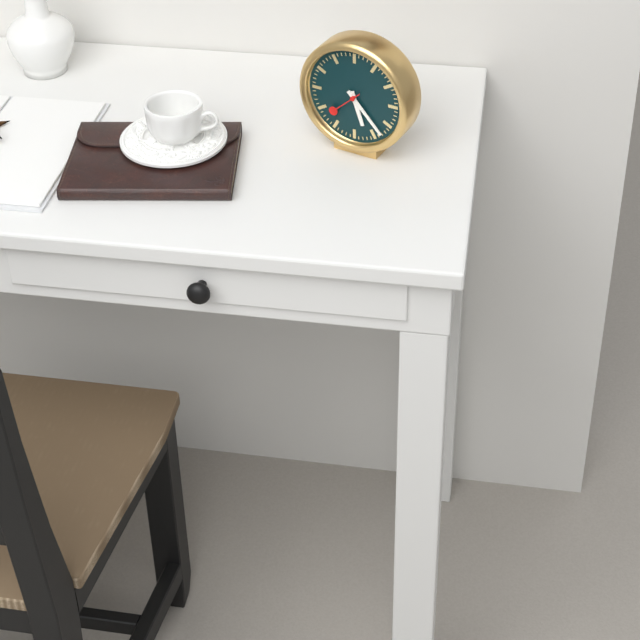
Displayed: **5:23**
